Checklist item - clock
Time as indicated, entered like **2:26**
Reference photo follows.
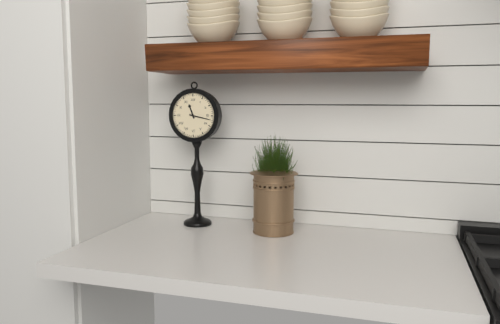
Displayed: **11:17**
